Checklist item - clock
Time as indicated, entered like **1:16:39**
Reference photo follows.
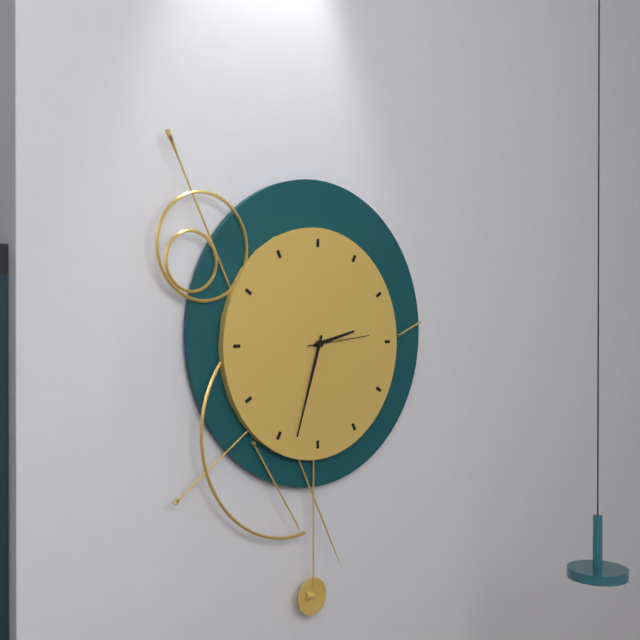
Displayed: **2:33:14**
